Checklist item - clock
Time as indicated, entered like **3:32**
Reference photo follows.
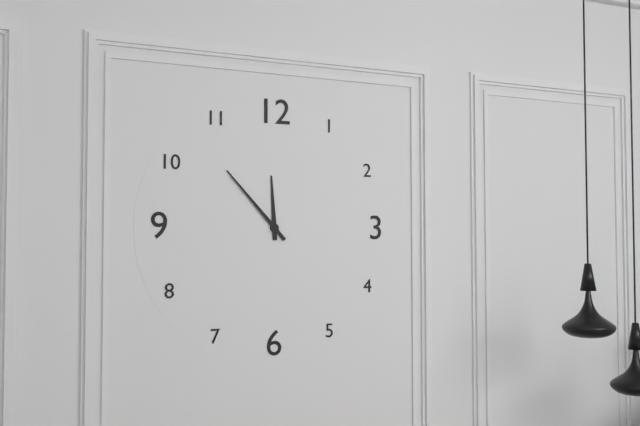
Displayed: **11:53**
